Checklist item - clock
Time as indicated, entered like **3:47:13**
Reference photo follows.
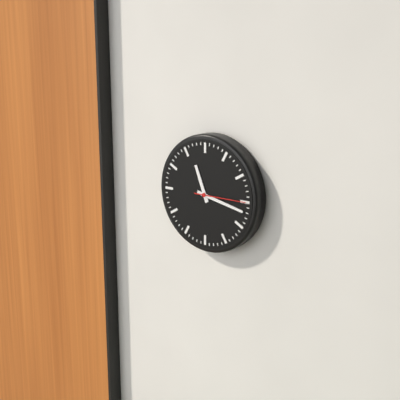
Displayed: **11:17:15**
